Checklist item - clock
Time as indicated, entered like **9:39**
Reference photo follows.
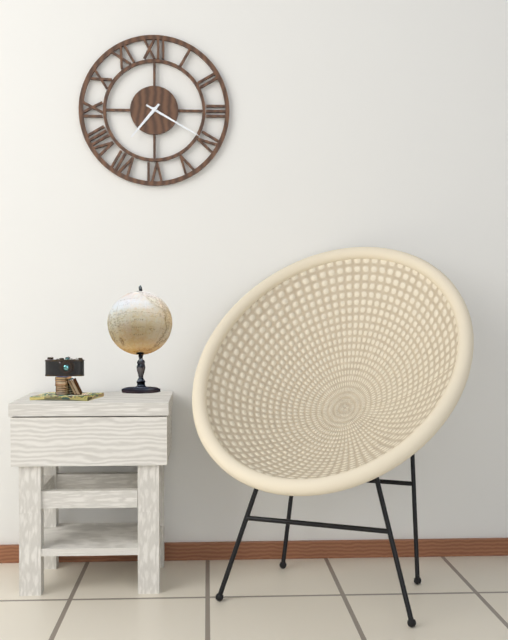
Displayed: **7:20**
